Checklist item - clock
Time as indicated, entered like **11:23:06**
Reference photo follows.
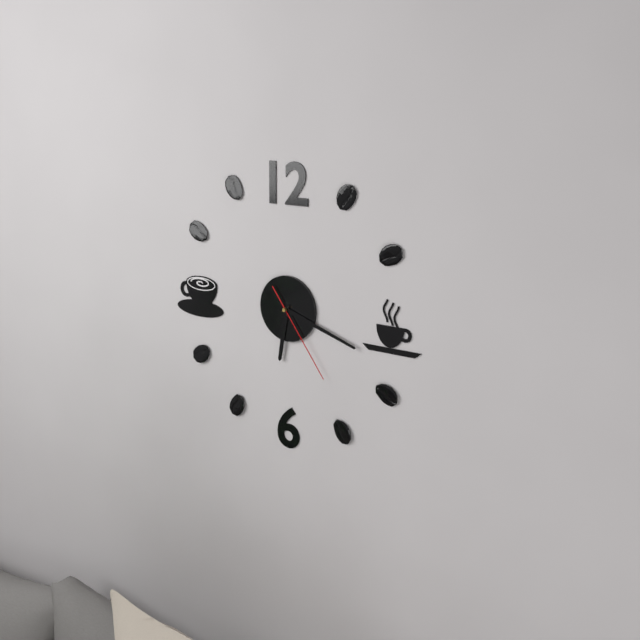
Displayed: **6:18:24**
